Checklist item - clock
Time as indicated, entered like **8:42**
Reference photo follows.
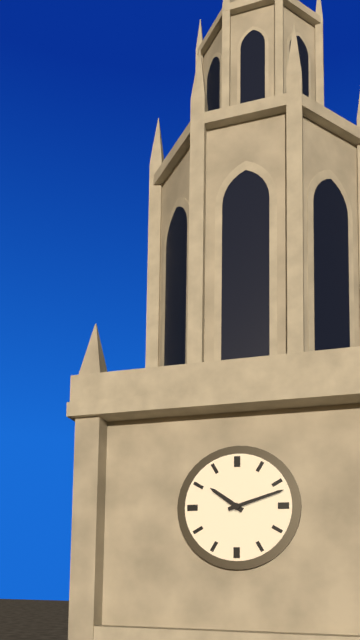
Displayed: **10:12**
